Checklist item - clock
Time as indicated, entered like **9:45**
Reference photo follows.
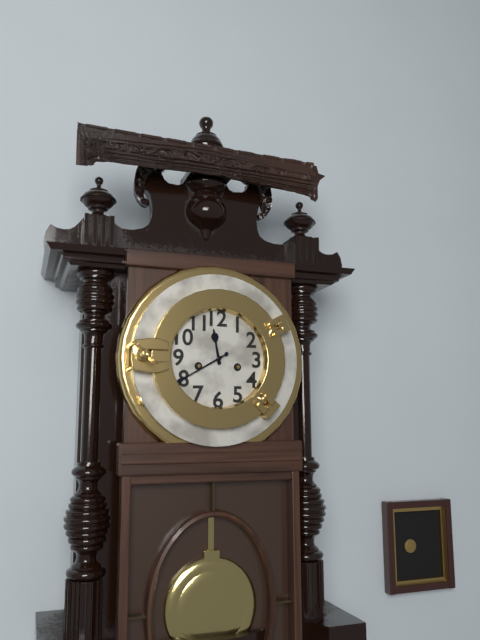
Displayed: **11:40**
